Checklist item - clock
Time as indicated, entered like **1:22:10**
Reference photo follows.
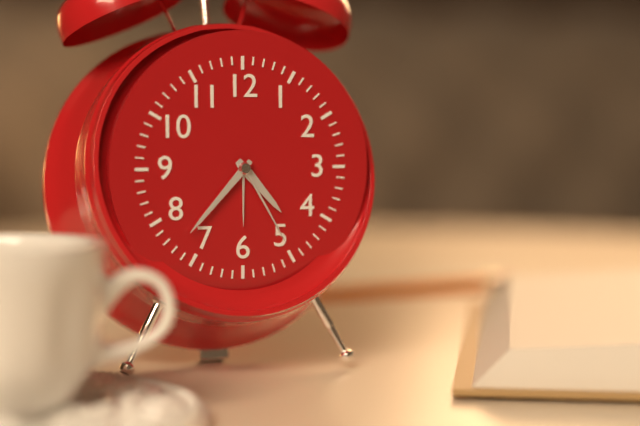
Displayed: **4:37:25**
